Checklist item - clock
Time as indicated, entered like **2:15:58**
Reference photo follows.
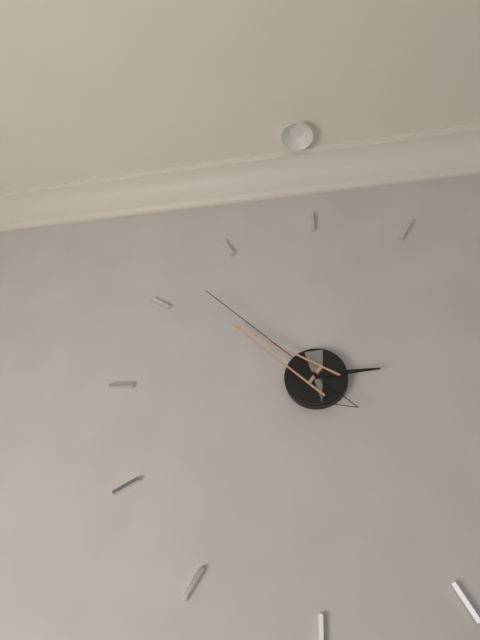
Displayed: **2:51:52**
